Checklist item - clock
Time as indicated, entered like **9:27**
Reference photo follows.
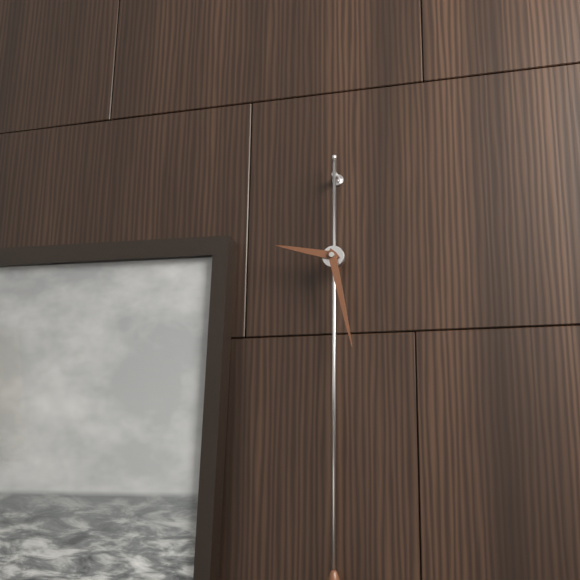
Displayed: **9:28**
